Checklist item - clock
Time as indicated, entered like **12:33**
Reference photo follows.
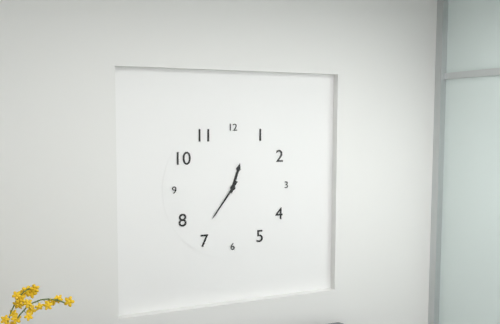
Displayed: **12:36**
